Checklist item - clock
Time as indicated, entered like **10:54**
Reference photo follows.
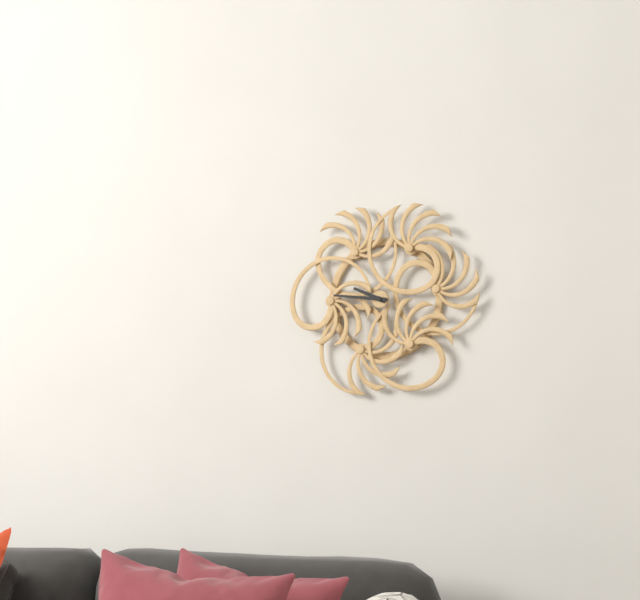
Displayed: **9:46**
